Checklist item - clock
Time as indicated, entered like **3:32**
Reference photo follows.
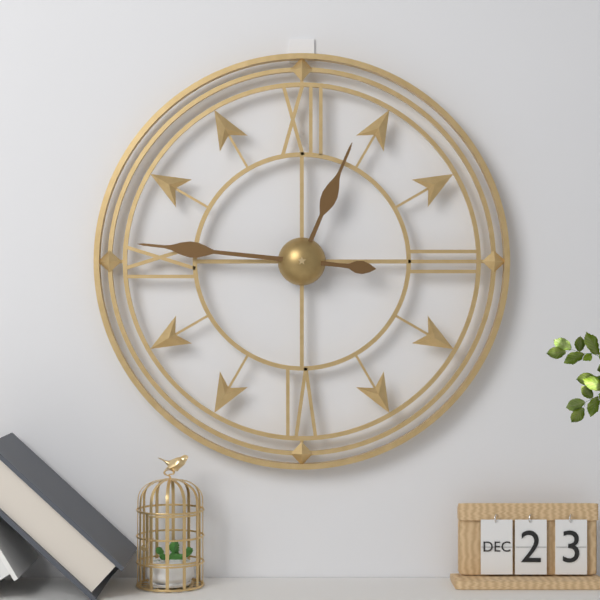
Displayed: **12:46**
